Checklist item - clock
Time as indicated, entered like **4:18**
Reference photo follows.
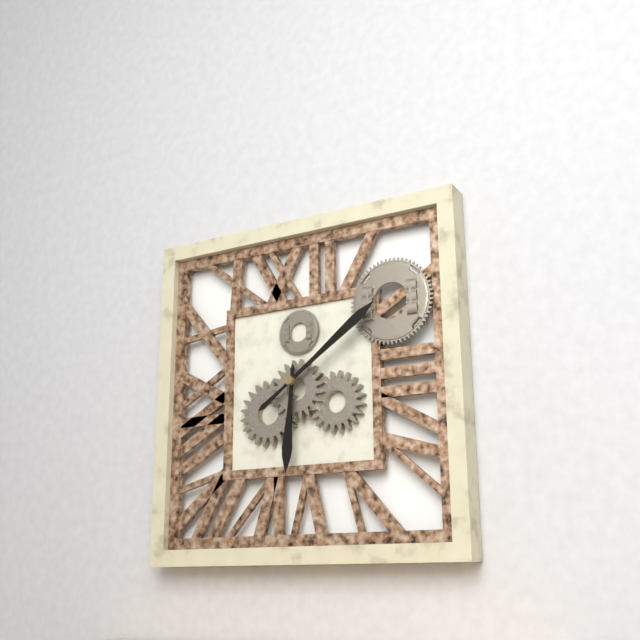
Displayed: **6:09**
